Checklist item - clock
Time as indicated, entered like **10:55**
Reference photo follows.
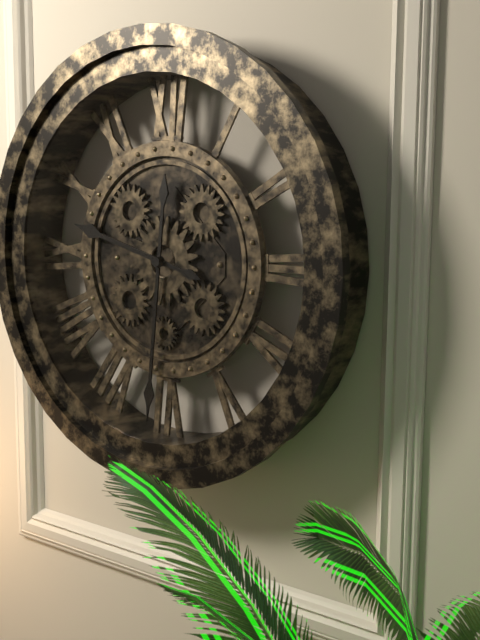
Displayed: **9:31**
